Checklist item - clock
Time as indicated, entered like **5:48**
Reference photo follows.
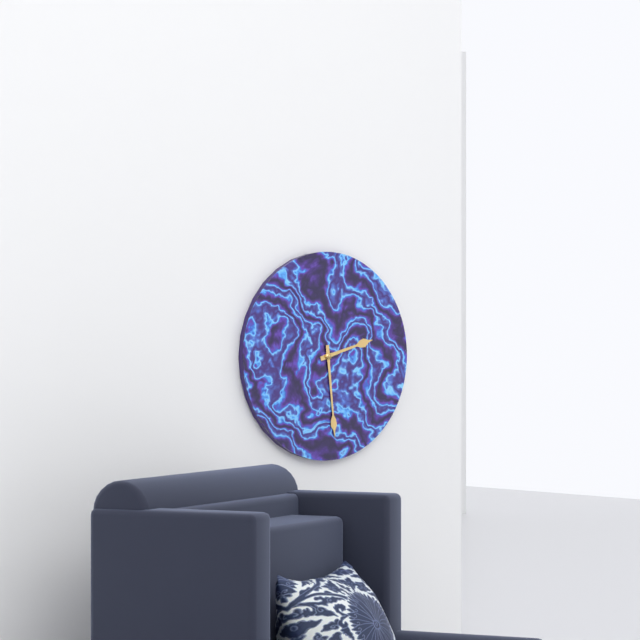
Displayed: **2:29**
